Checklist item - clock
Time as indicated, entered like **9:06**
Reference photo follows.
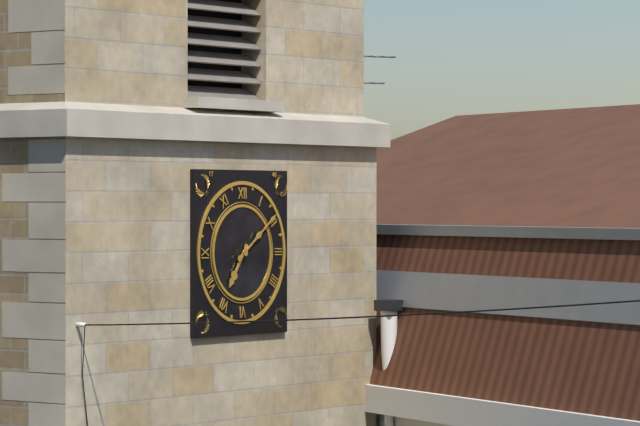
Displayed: **7:09**
